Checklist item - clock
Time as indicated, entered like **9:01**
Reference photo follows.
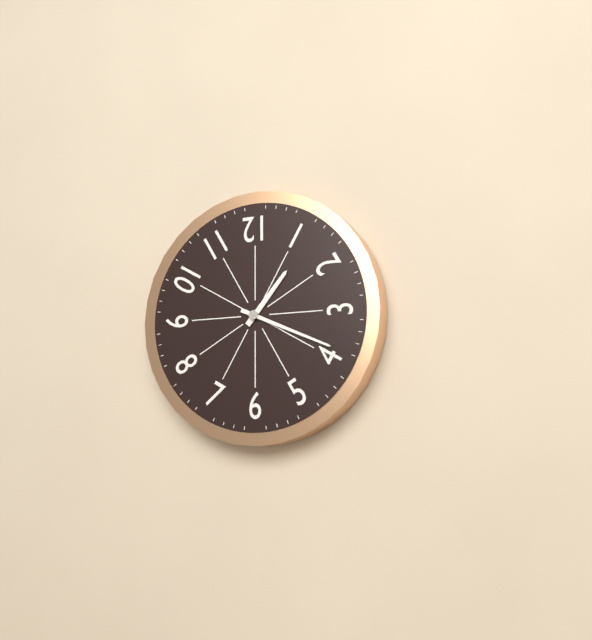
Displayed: **1:19**
